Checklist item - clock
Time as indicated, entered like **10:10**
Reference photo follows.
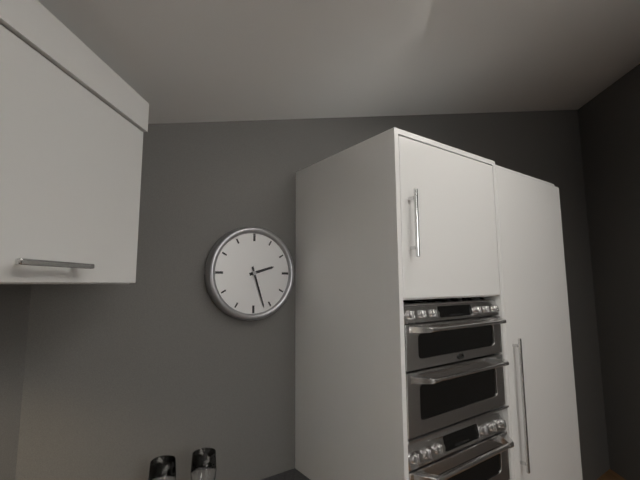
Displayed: **2:27**
